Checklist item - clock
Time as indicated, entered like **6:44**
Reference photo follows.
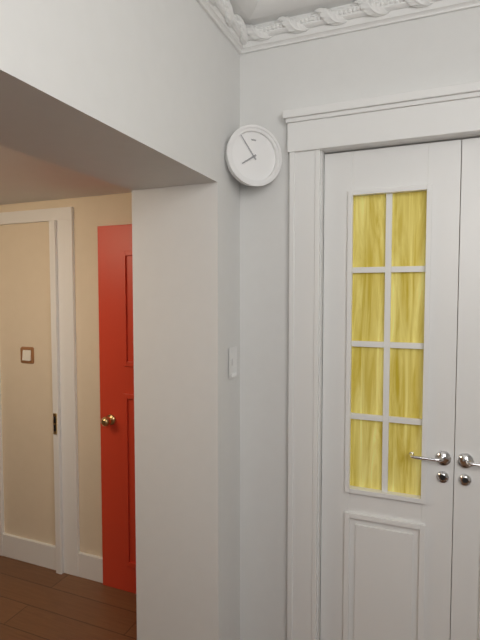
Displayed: **7:54**
